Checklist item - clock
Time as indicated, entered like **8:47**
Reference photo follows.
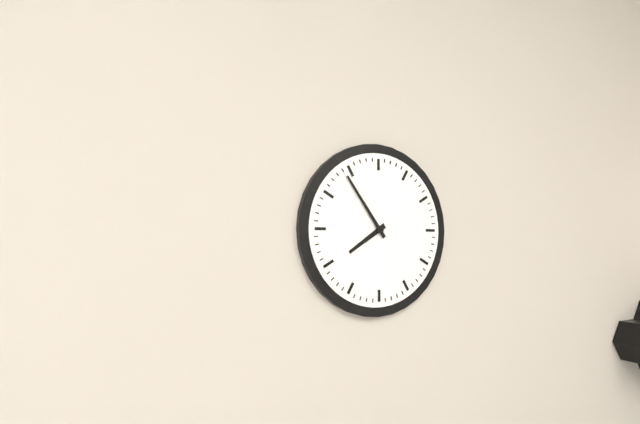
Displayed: **7:54**
